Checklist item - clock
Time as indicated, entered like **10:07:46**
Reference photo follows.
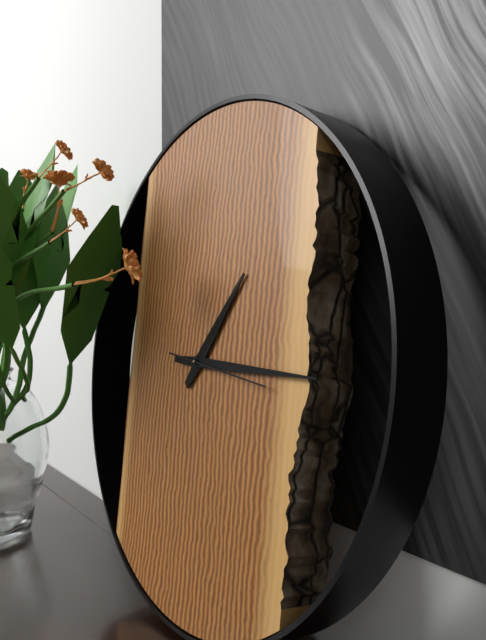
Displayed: **1:15:16**
